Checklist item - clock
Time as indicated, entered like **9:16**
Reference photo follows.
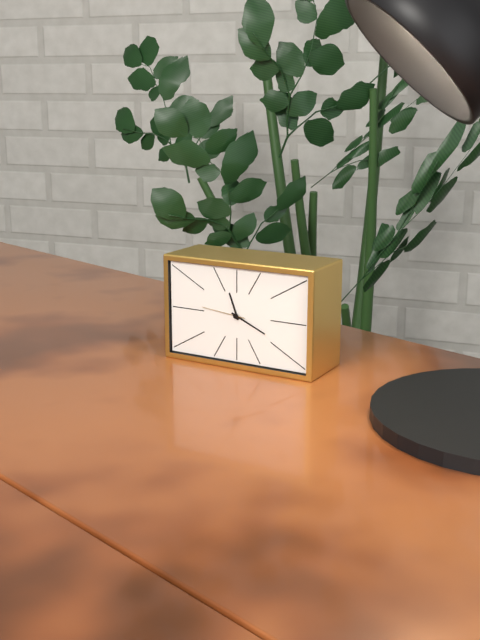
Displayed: **11:19**
